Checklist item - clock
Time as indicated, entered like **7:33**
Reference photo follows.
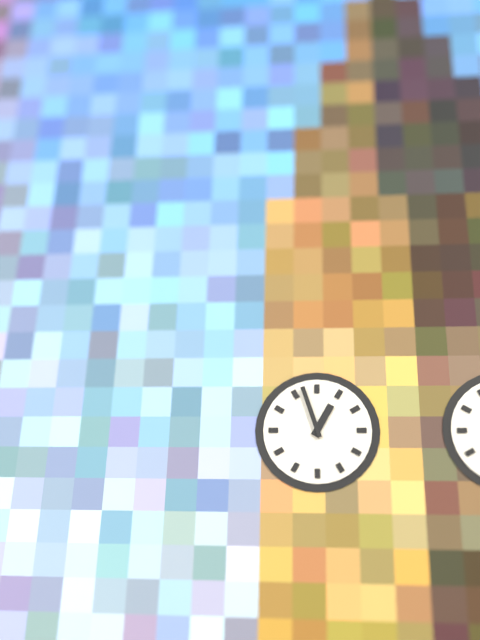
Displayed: **12:57**
